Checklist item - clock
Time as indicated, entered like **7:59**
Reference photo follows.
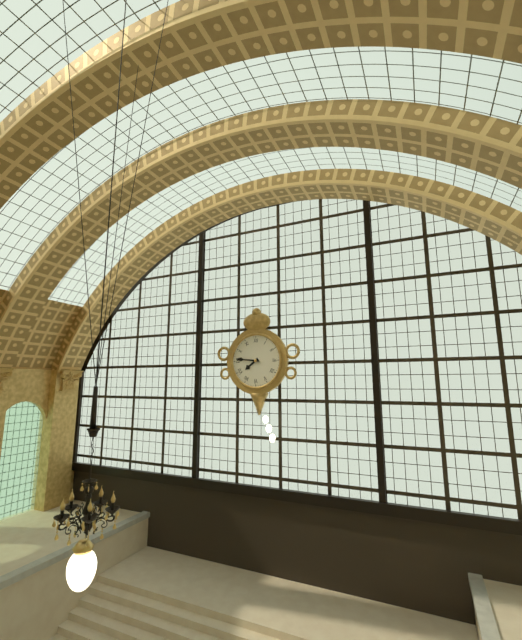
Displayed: **7:46**
